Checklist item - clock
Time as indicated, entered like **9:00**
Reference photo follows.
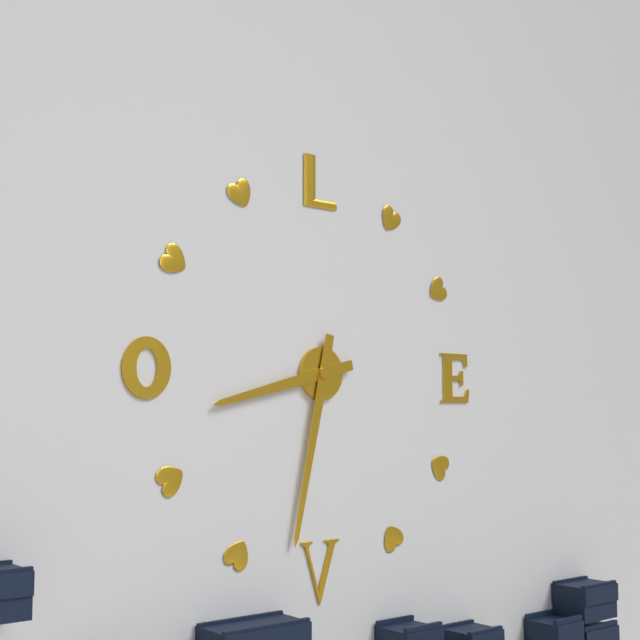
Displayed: **8:32**
